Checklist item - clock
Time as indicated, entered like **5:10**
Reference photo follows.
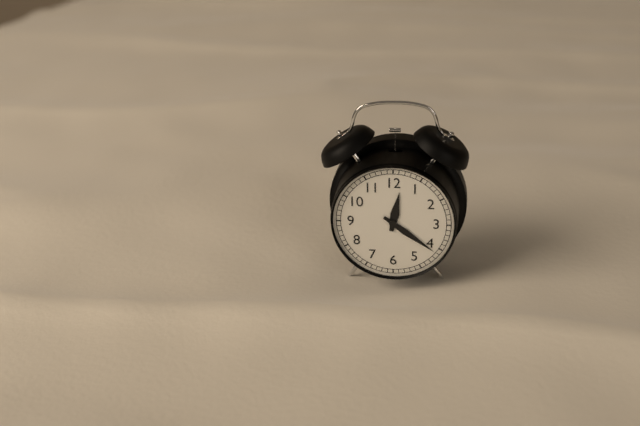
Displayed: **12:21**
